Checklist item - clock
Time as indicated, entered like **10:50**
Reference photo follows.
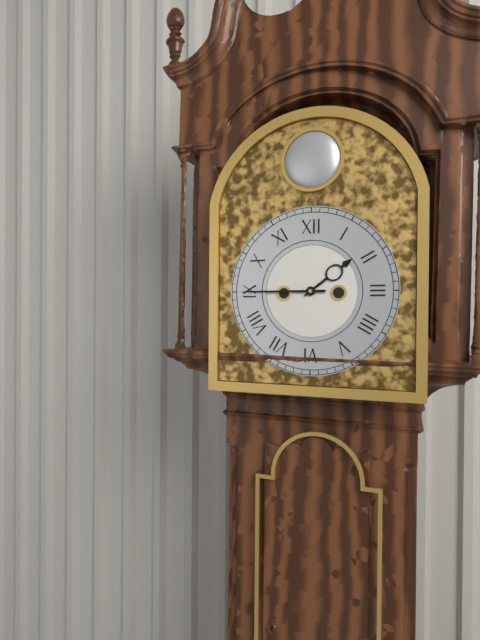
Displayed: **1:45**
